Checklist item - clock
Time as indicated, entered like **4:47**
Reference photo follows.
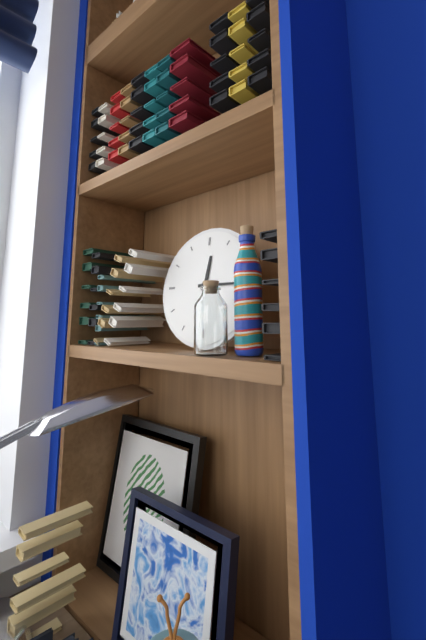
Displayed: **12:15**
